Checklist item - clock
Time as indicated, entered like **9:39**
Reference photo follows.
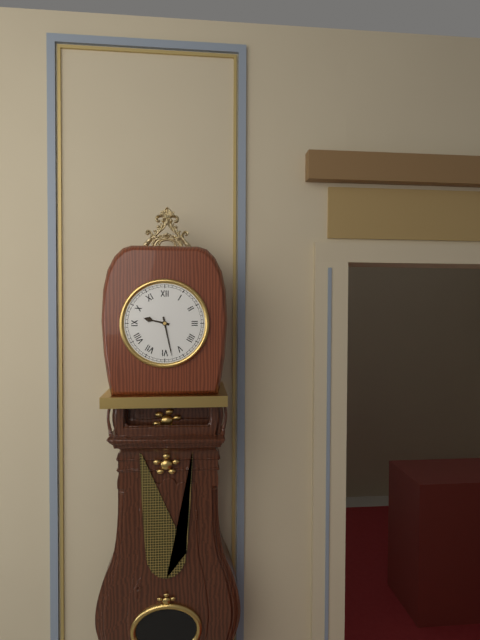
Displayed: **9:28**
